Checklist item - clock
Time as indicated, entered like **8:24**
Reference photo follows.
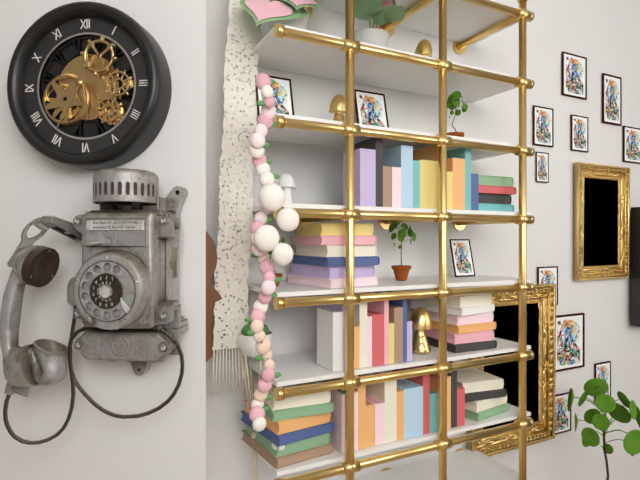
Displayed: **5:35**
